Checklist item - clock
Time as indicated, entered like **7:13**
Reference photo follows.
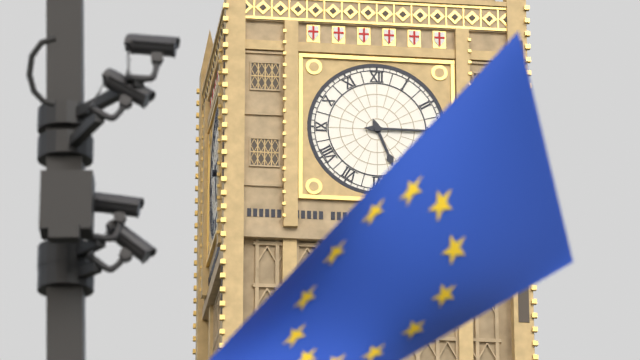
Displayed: **5:15**
